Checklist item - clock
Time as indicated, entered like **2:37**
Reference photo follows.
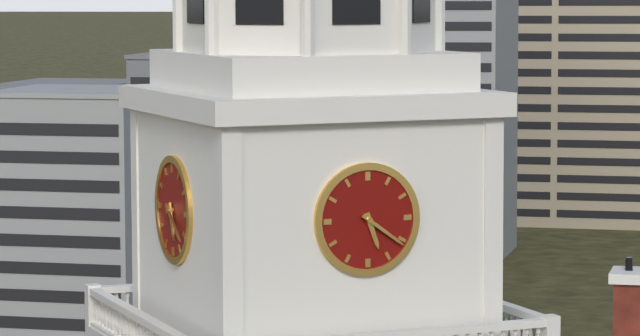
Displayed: **5:21**
